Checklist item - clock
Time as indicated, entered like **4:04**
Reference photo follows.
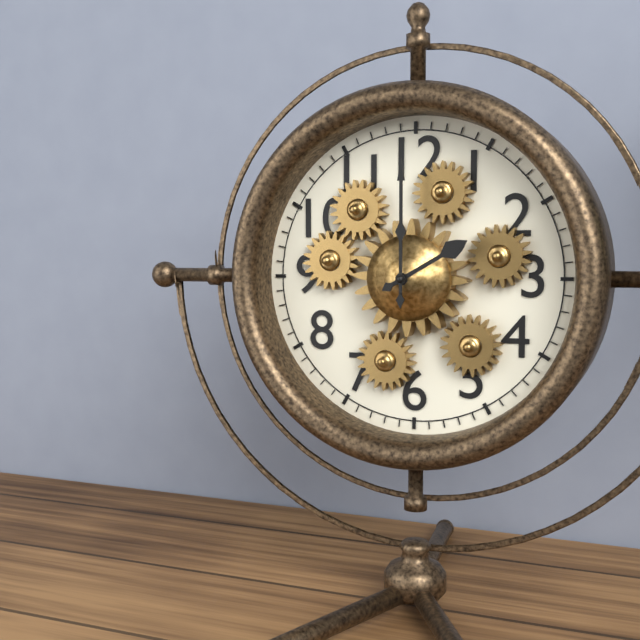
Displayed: **2:00**
